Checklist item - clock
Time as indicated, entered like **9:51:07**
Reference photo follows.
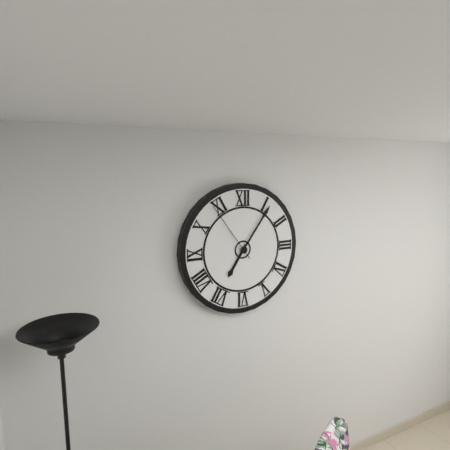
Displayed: **7:06:54**
